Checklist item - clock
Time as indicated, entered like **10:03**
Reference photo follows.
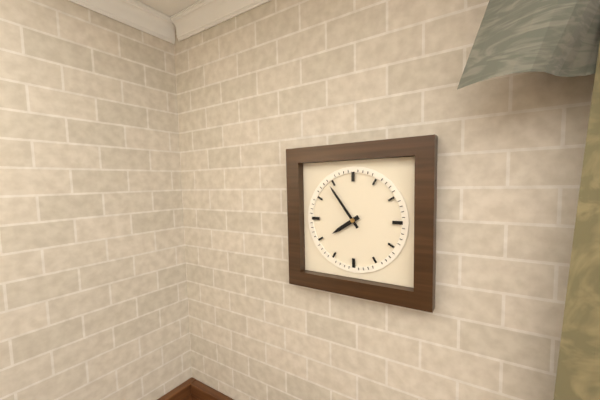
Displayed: **7:54**
